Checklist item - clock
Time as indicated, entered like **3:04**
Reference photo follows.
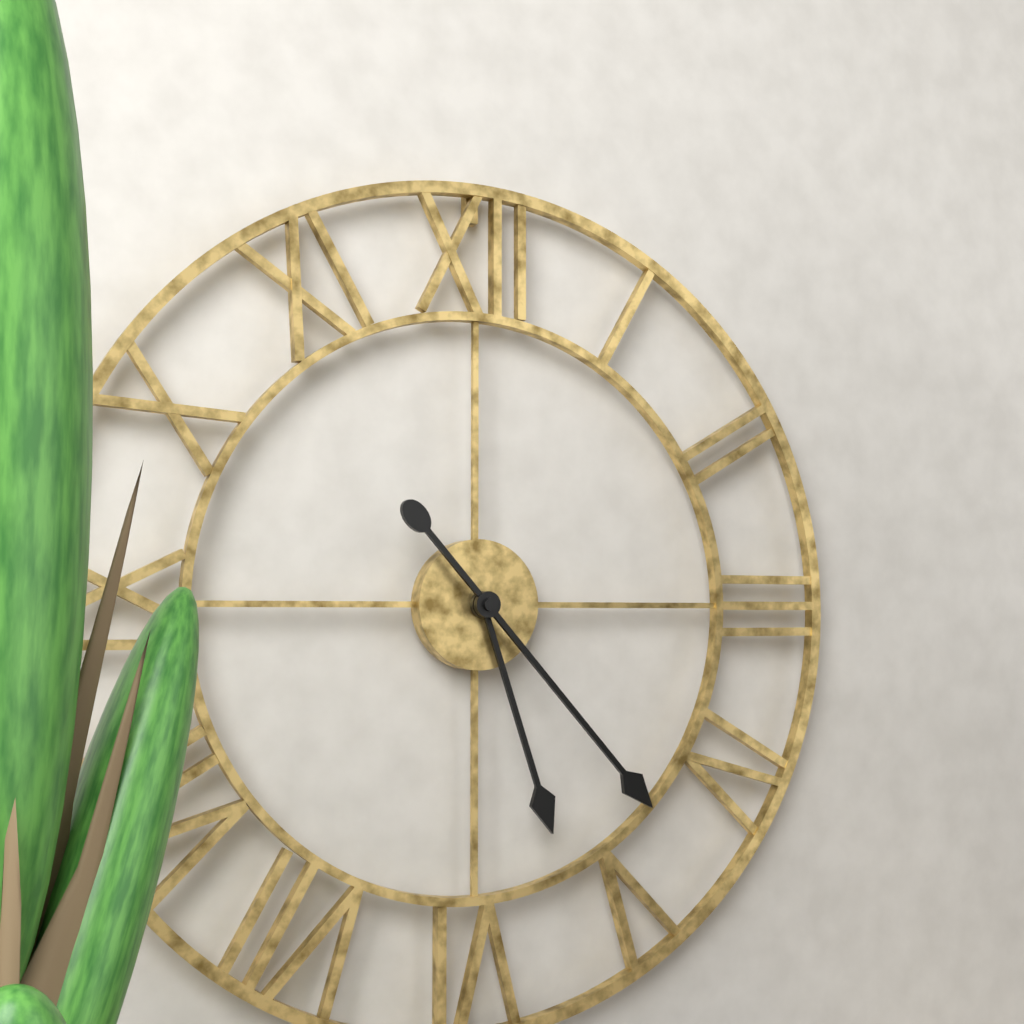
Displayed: **5:23**
